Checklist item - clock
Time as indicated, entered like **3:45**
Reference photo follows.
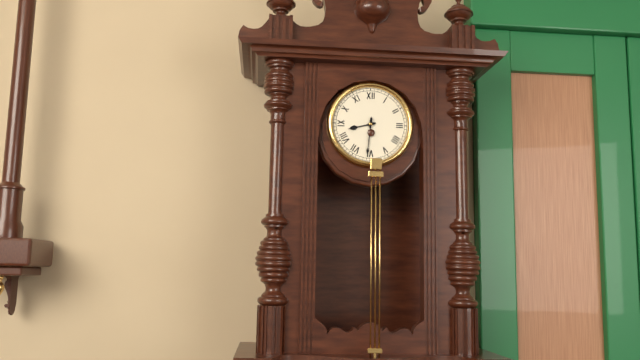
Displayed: **8:31**
